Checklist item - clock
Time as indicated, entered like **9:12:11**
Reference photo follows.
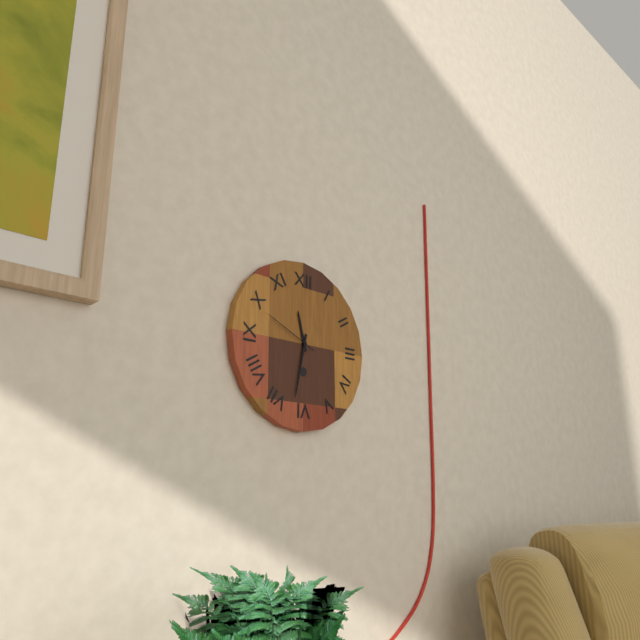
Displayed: **11:32:49**
